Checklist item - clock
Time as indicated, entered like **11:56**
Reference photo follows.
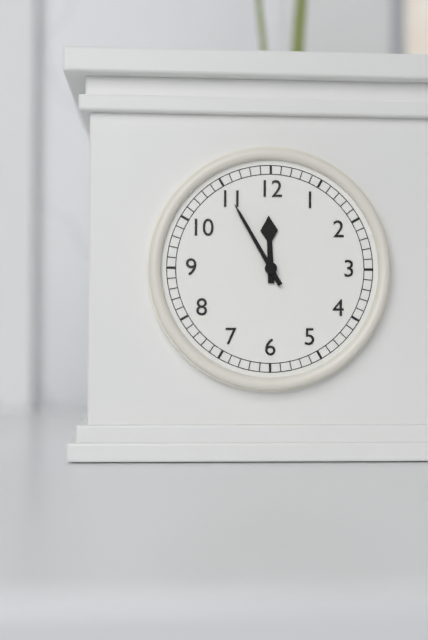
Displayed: **11:55**
